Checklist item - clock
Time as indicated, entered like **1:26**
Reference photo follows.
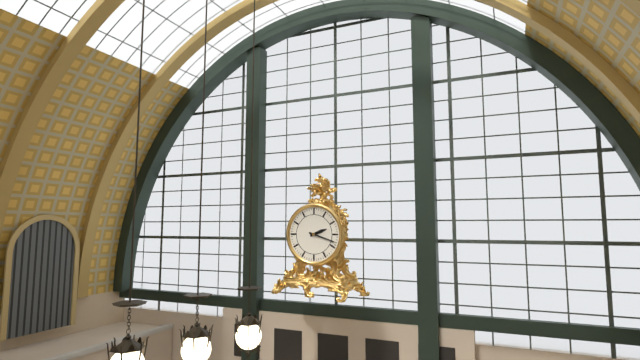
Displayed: **2:18**
